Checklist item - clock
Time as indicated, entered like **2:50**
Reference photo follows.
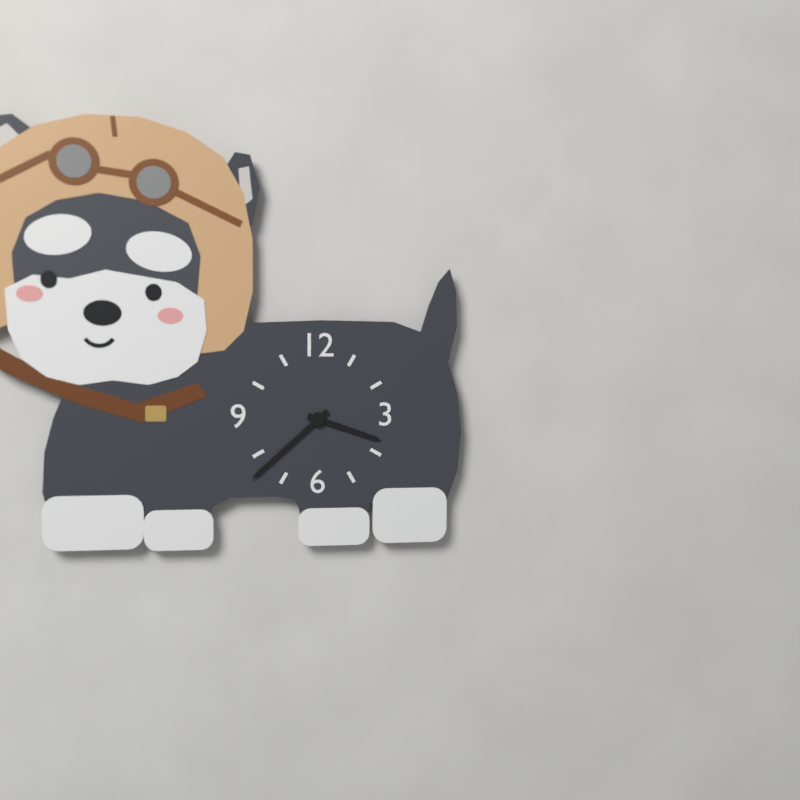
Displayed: **3:38**
